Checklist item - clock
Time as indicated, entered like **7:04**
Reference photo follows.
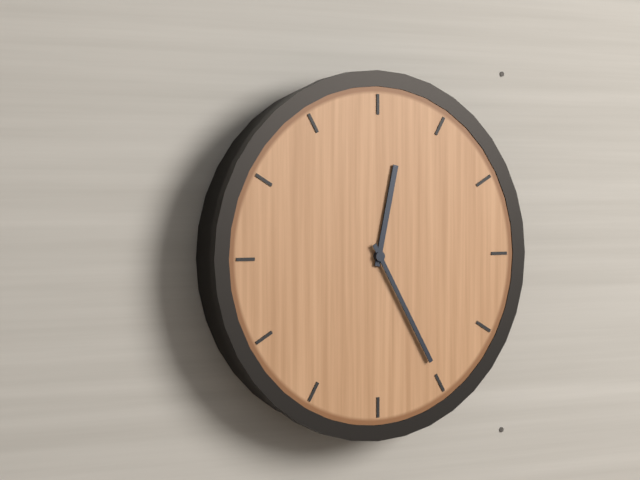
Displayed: **12:25**
